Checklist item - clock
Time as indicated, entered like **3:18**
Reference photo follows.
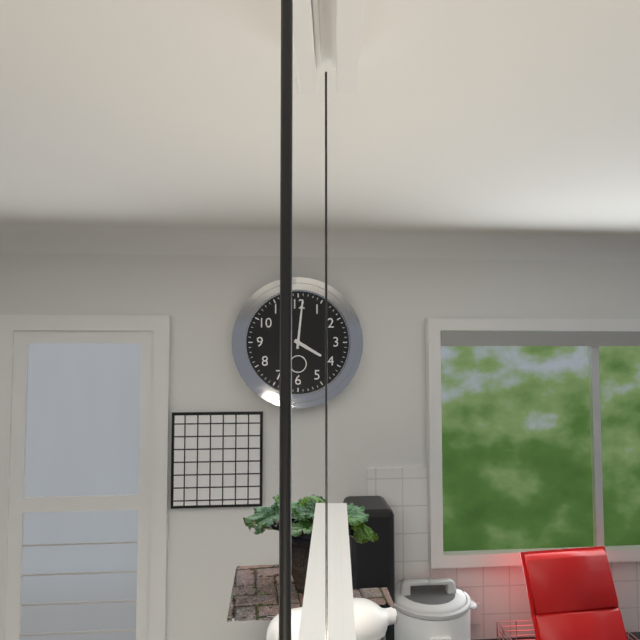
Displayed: **4:01**
